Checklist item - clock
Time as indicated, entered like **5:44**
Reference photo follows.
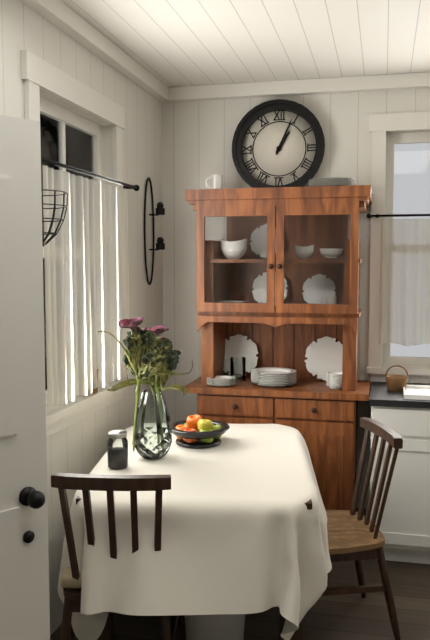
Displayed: **1:04**
